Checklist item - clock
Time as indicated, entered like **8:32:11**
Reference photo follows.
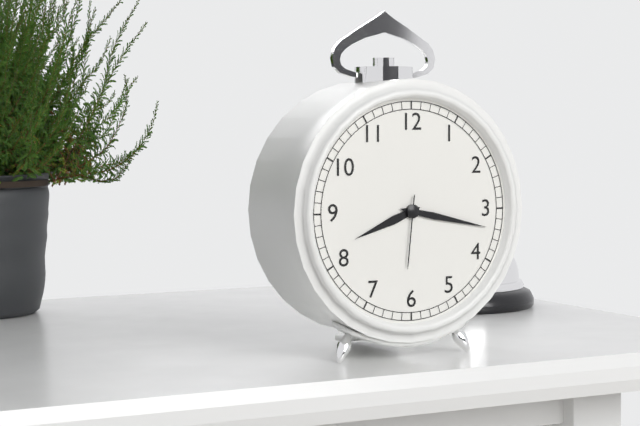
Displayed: **8:17:31**
